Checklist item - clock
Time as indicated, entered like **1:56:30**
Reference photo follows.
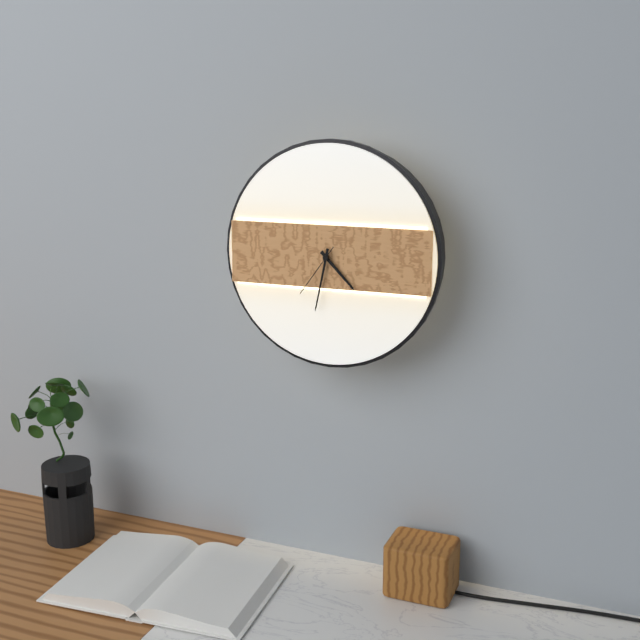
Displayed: **4:32:36**
